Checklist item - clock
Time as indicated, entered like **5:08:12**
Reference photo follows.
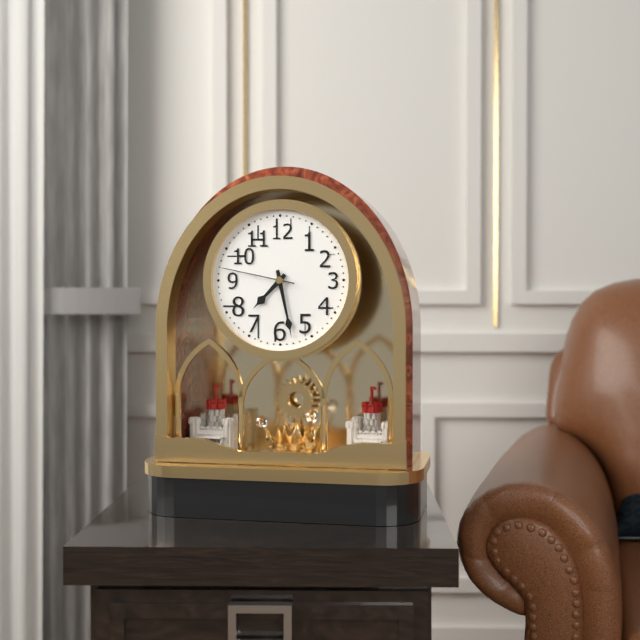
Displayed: **7:28:47**
